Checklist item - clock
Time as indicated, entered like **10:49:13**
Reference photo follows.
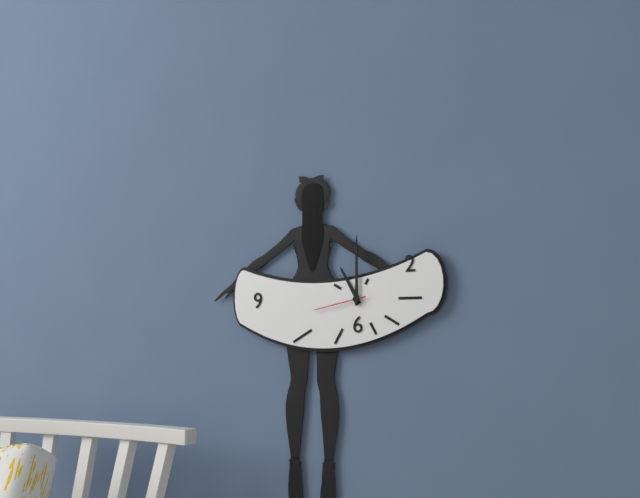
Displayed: **11:00:43**
